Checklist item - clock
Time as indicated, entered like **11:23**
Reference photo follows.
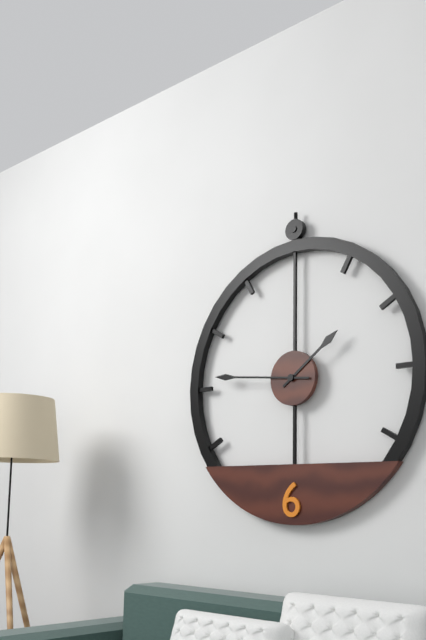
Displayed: **1:46**
